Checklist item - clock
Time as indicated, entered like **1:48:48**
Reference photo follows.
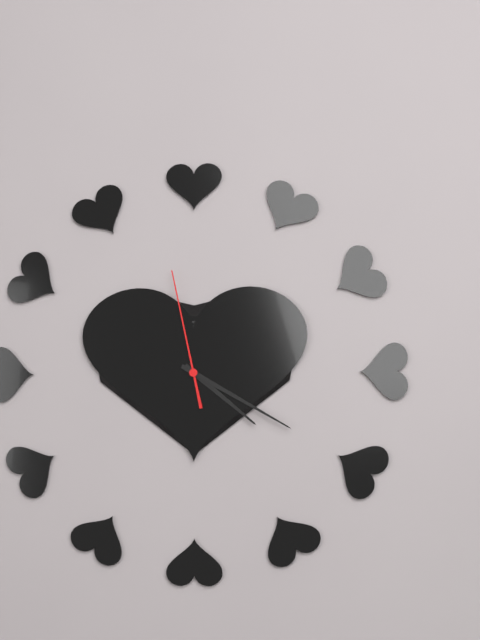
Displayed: **4:20:58**
